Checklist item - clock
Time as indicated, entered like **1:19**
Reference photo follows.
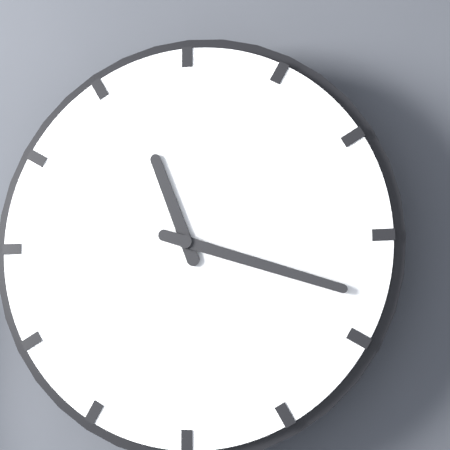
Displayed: **11:18**
